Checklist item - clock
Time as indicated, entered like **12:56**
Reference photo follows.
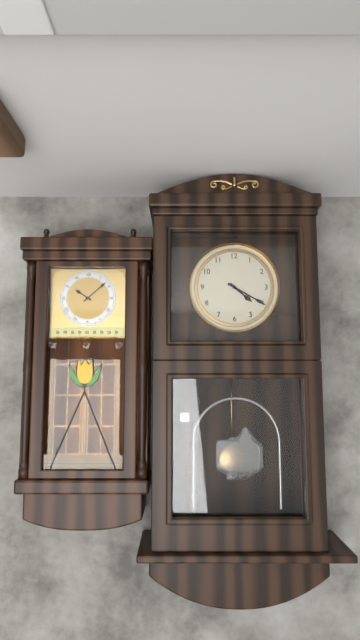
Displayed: **4:20**
